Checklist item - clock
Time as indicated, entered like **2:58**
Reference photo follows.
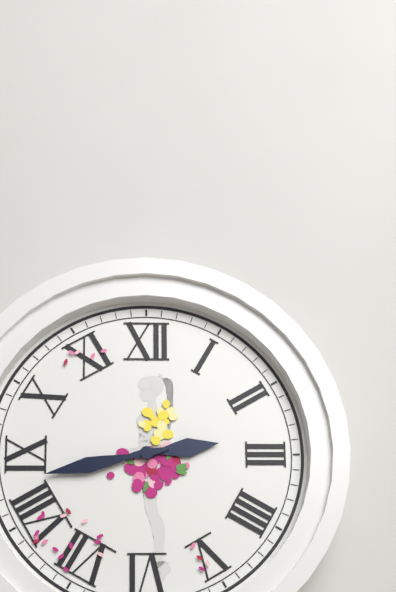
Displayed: **2:43**
